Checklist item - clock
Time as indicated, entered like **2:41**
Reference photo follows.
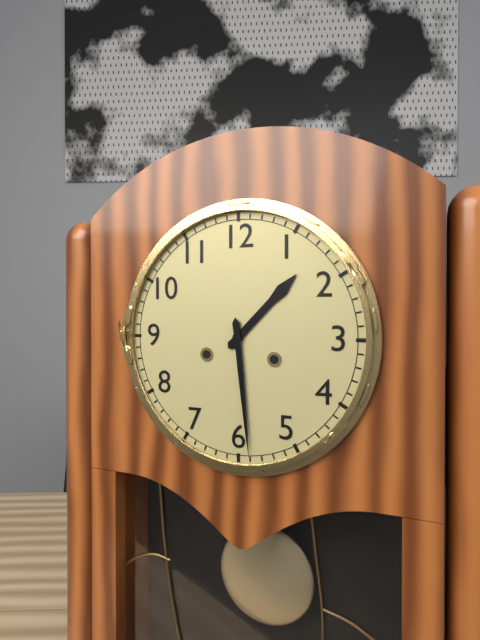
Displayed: **1:29**
